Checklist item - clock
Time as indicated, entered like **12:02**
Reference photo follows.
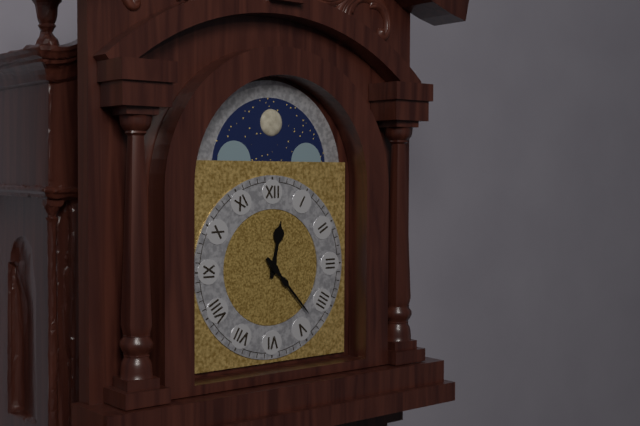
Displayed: **12:23**
